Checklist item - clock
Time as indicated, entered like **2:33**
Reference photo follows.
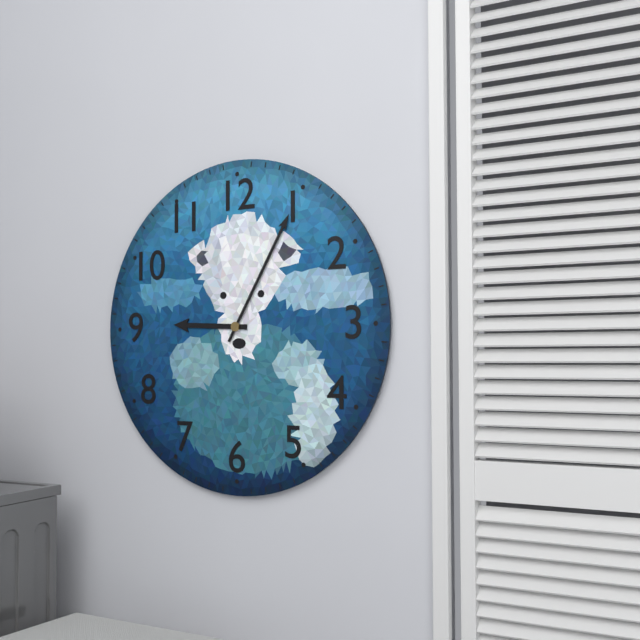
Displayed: **9:05**
